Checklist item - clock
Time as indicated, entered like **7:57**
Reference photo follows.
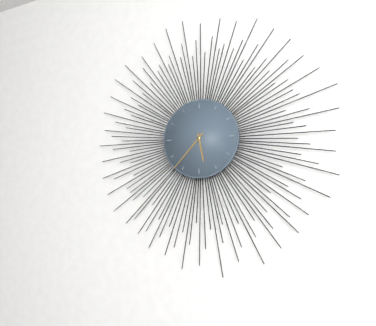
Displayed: **5:37**
